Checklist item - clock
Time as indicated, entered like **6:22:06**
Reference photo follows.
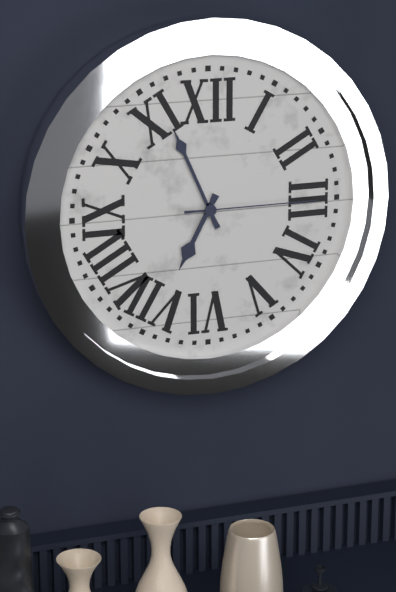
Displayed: **6:56:15**
